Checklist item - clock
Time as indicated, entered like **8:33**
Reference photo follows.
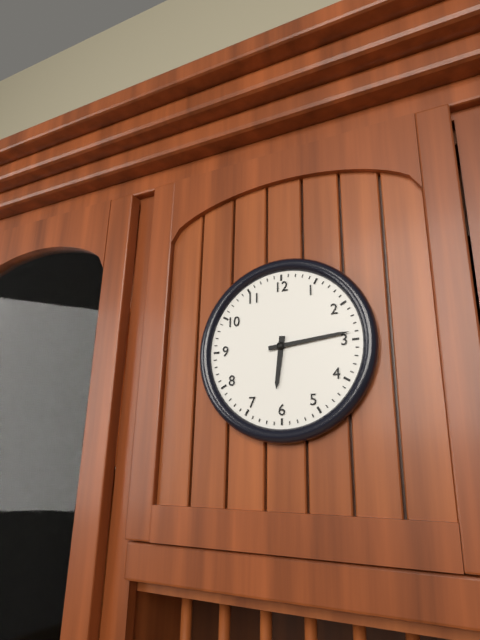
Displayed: **6:14**
